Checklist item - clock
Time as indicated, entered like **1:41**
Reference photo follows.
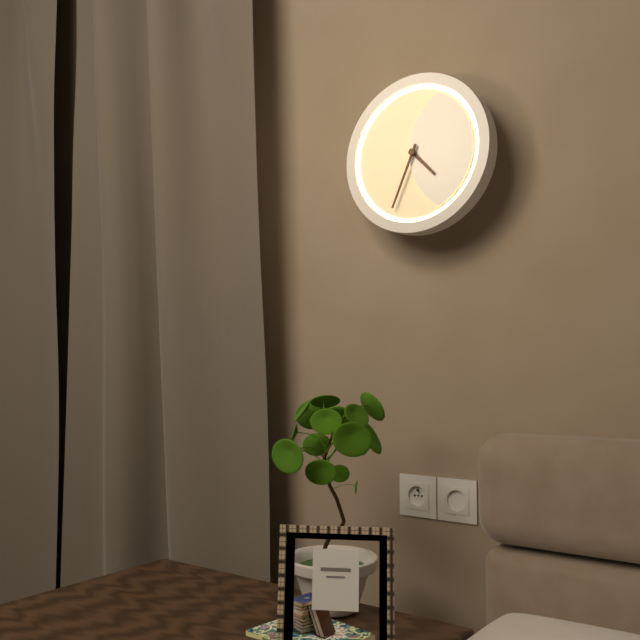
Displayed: **4:34**
